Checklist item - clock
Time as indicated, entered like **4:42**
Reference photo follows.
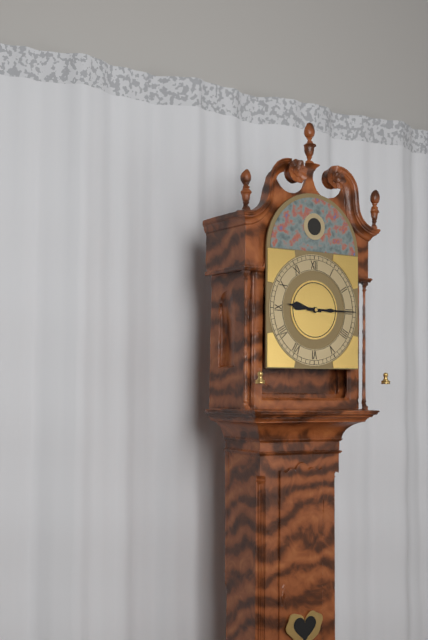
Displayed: **9:15**
